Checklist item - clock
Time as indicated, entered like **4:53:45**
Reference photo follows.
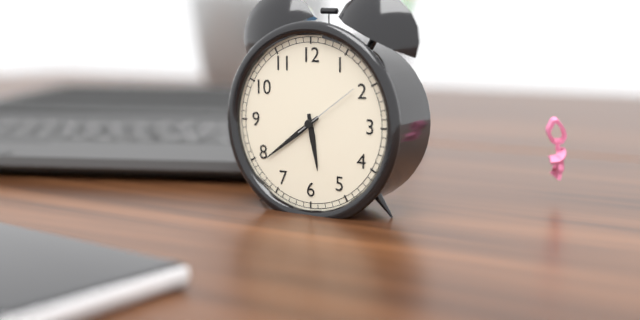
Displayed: **5:39:09**
